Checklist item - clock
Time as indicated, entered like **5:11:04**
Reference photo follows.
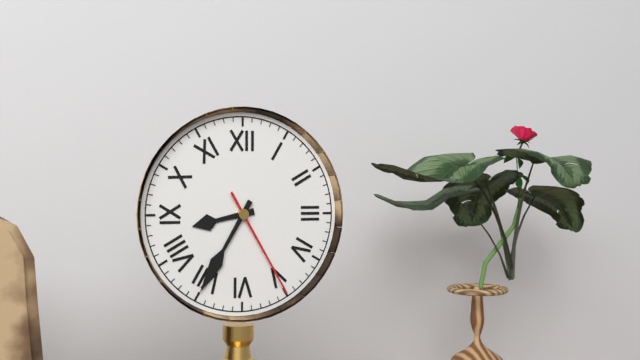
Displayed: **8:35:25**
